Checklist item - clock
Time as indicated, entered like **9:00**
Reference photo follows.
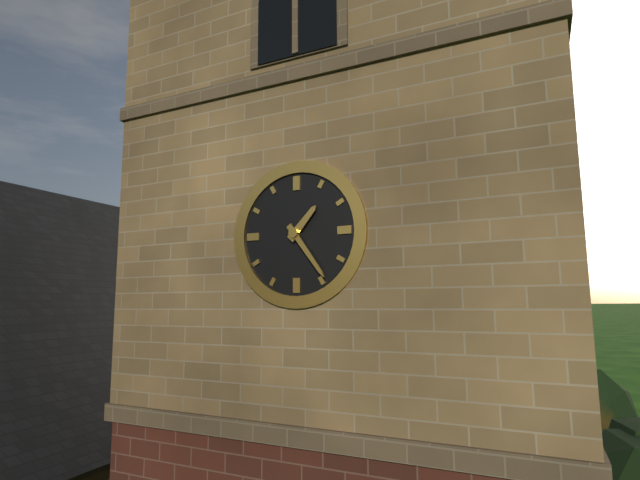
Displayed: **1:24**
